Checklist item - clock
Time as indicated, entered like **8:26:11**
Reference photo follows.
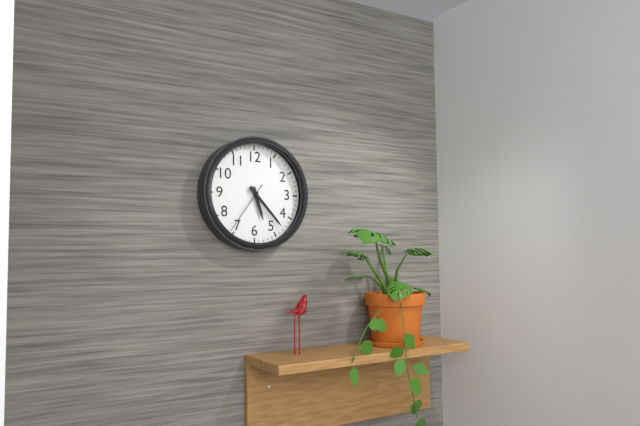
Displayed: **5:23:36**
